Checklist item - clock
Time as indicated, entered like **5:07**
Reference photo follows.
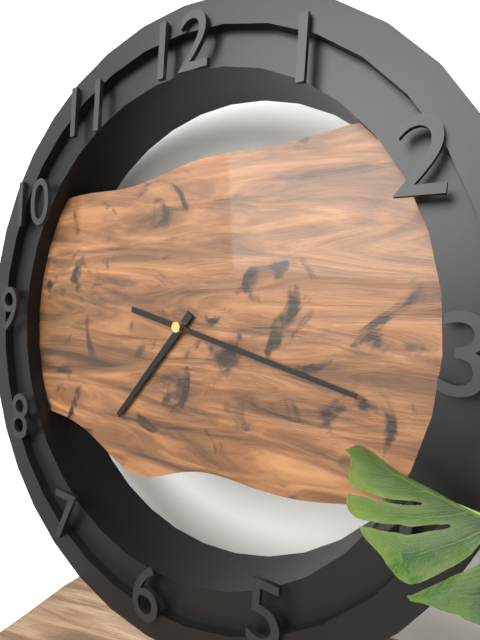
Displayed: **7:17**
